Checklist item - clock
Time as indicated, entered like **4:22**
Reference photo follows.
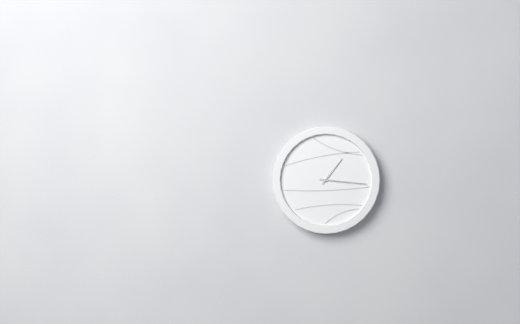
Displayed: **1:16**
